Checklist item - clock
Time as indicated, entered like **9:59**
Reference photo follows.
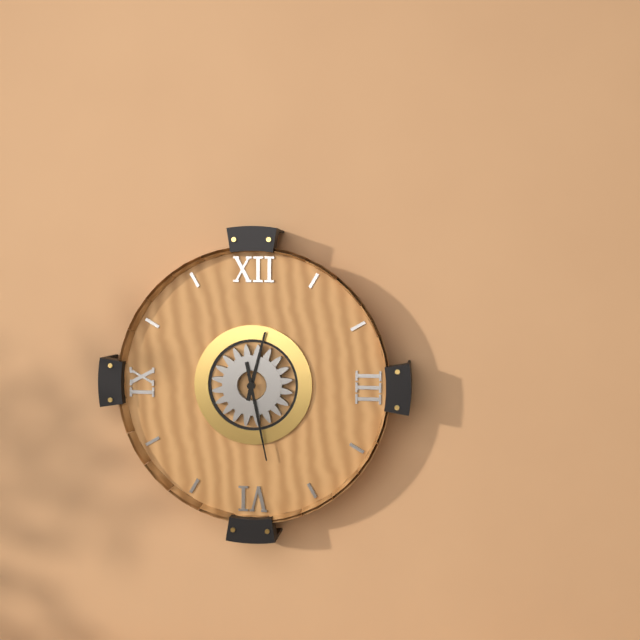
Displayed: **12:28**
